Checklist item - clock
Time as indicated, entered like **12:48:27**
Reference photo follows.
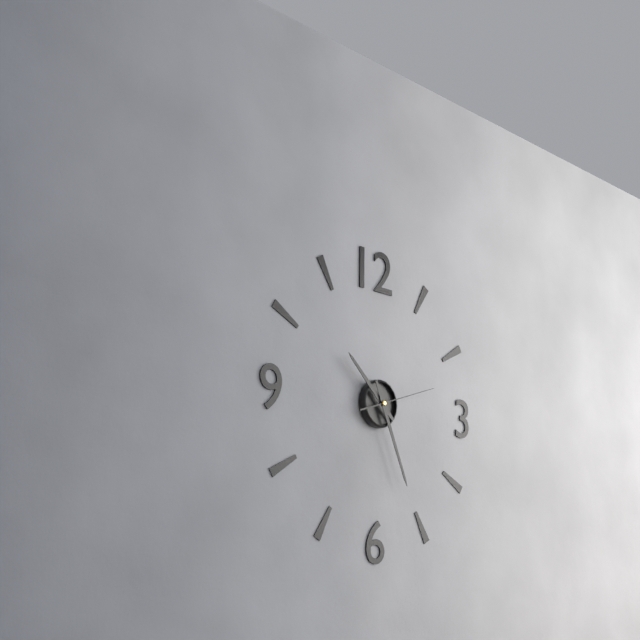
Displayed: **10:26:12**
